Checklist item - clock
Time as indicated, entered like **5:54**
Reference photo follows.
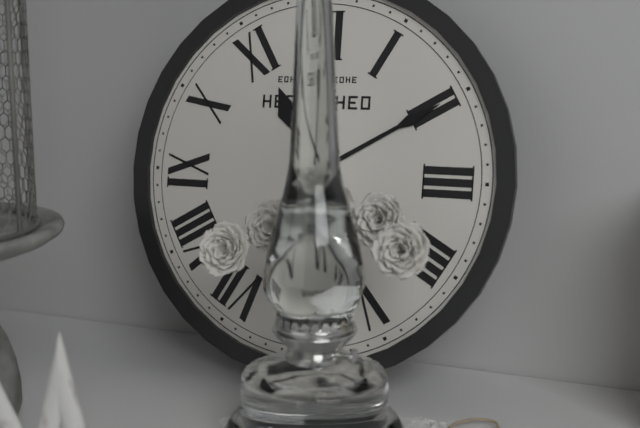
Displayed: **11:10**
